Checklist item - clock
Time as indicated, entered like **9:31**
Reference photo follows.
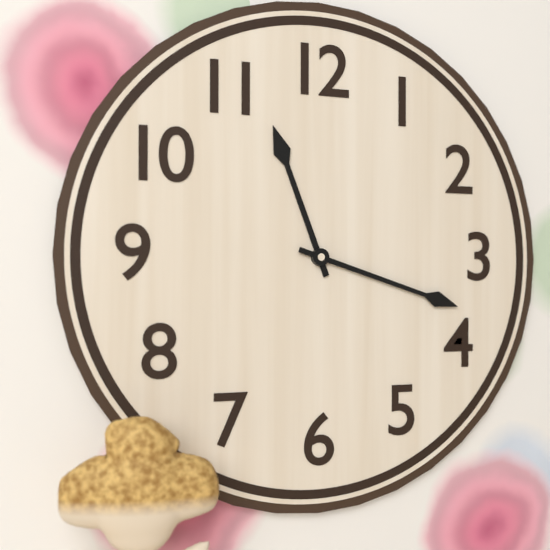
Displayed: **11:18**
